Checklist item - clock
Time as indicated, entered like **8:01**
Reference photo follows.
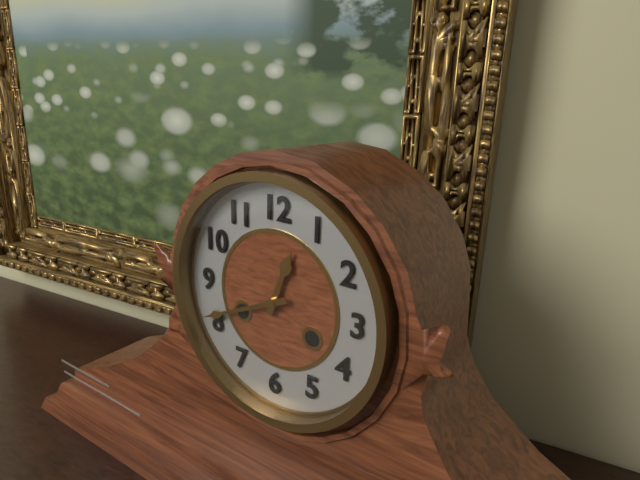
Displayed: **12:41**
